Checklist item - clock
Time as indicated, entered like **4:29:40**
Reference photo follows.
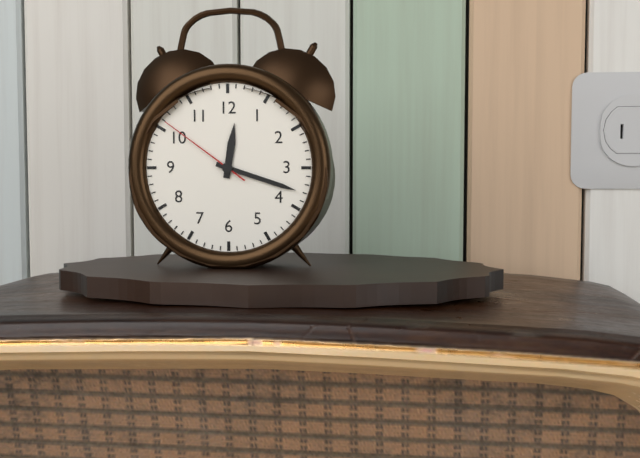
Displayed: **12:18:51**
